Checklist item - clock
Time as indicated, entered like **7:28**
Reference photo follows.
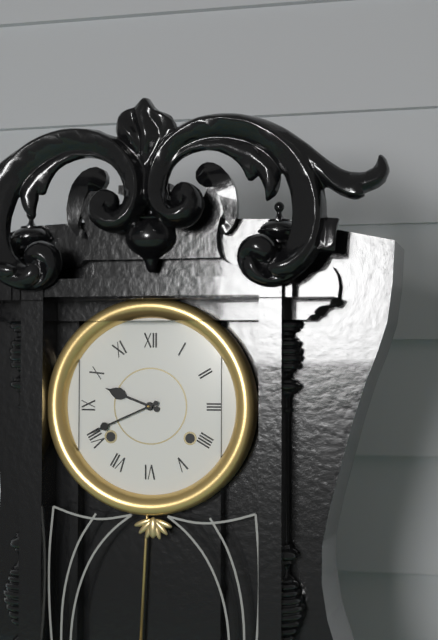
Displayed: **9:41**
